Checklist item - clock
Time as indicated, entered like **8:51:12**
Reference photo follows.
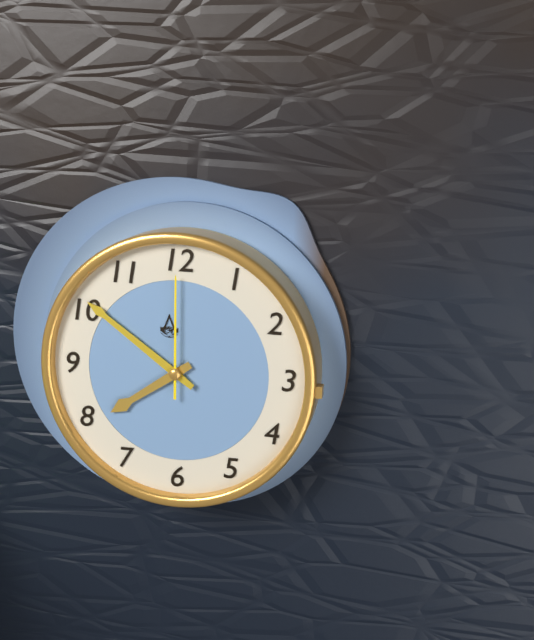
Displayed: **7:51:00**
